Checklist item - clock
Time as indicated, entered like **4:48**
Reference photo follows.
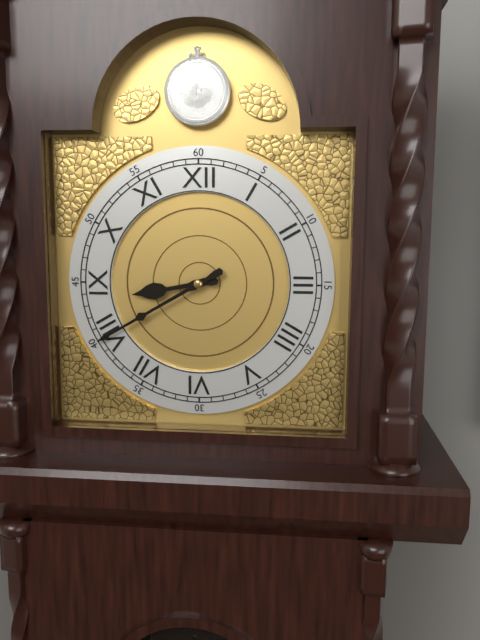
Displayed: **8:40**
